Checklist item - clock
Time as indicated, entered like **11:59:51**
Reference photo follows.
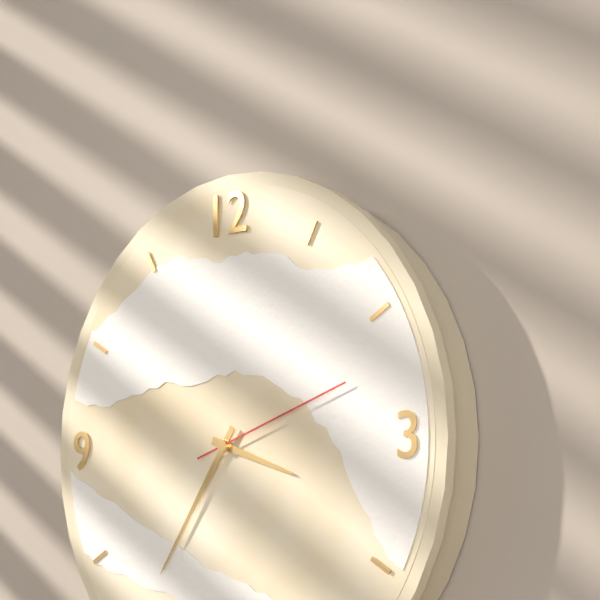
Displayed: **3:36:12**
